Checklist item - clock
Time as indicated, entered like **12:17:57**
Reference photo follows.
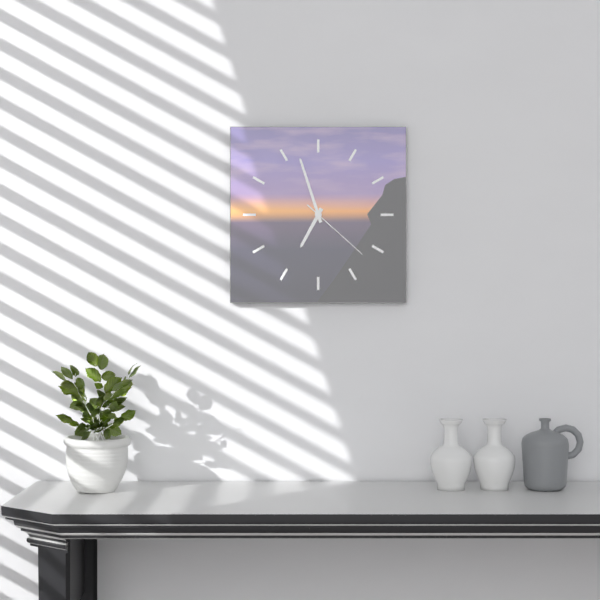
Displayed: **6:57:22**
